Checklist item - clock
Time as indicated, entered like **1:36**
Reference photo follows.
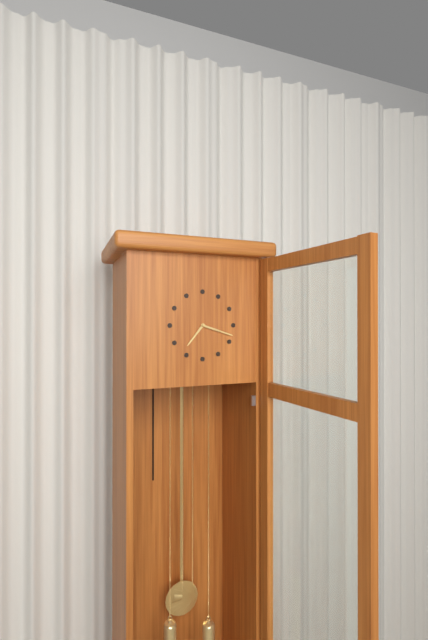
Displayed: **7:18**
